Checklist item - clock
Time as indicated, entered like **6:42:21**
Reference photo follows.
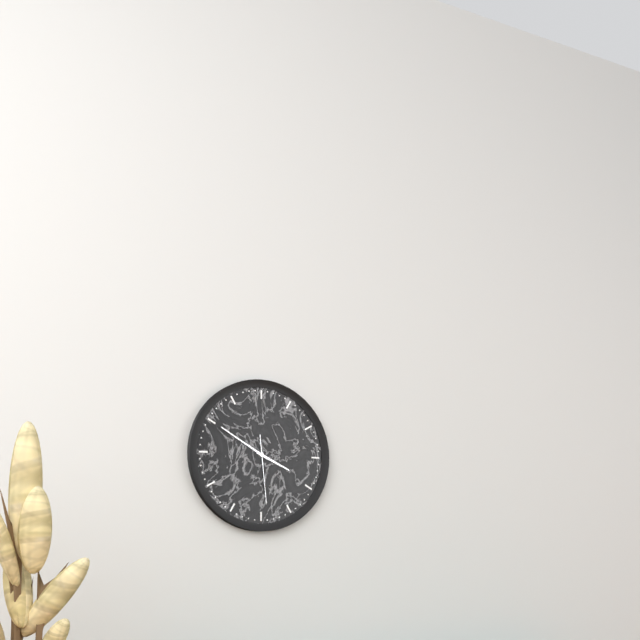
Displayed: **3:50:29**
